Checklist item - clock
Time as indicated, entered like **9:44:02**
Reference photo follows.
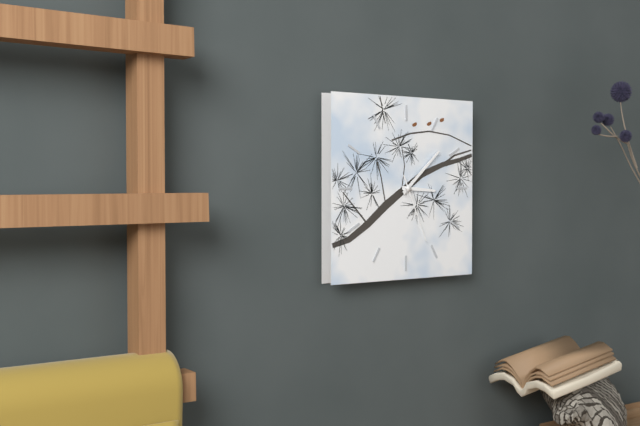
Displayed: **3:08:26**
